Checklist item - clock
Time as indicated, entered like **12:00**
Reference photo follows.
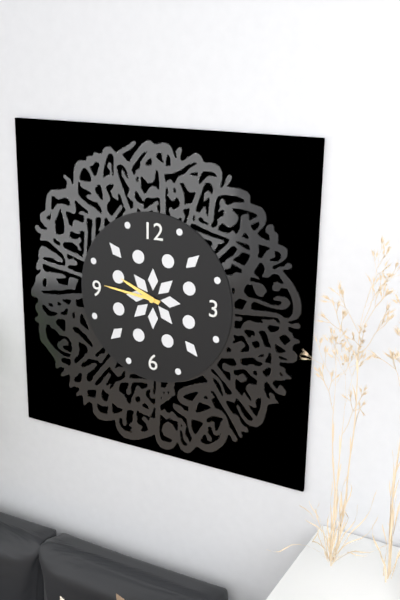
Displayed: **9:46**
